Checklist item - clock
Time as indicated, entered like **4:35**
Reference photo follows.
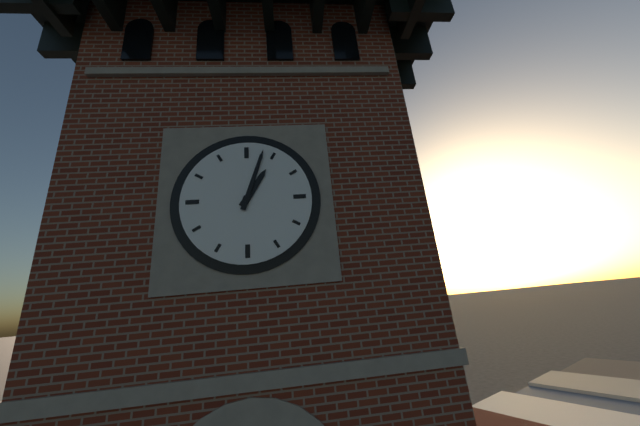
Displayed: **1:03**
